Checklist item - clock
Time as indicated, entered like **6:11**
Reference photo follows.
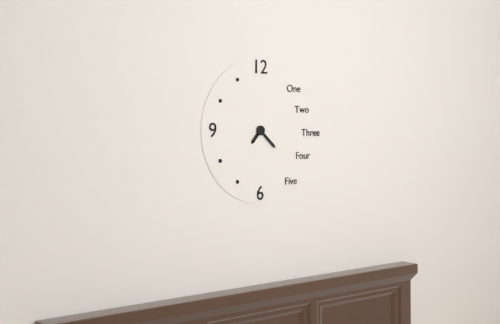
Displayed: **7:22**
